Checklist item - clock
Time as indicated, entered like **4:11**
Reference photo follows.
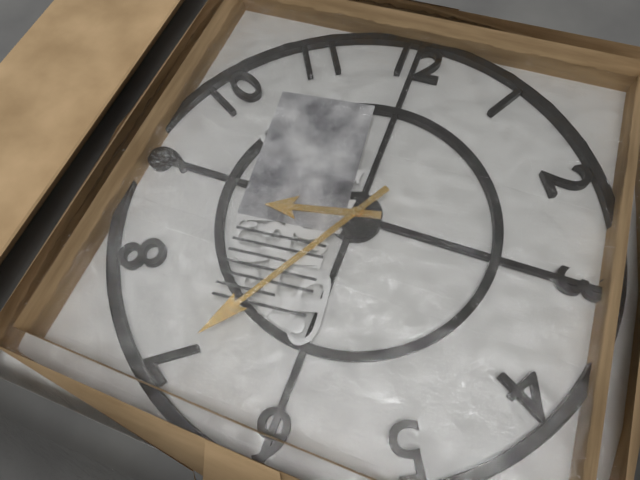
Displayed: **8:35**
